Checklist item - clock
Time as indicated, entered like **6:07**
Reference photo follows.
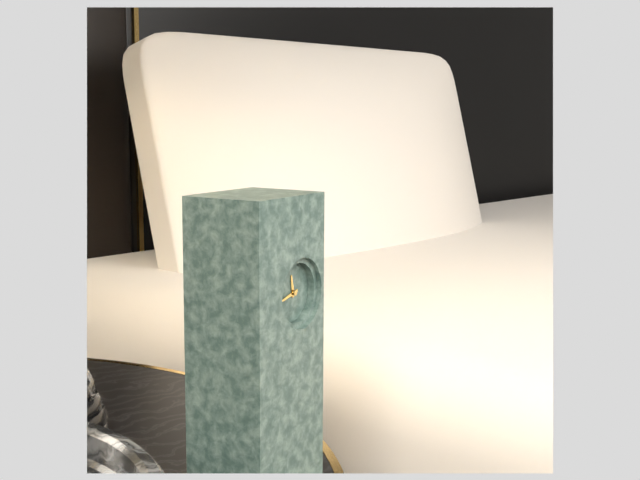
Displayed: **11:43**
